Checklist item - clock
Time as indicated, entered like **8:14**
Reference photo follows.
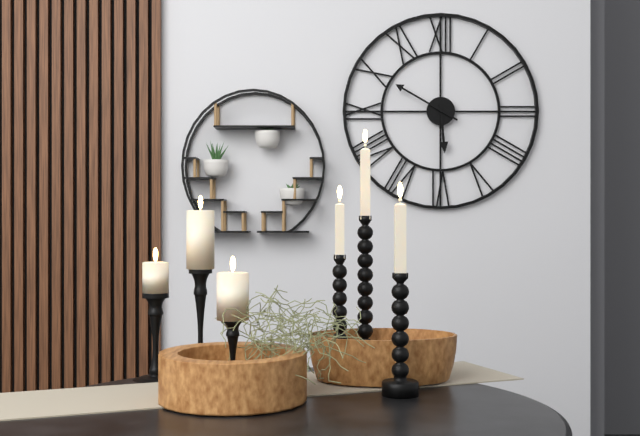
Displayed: **5:50**
